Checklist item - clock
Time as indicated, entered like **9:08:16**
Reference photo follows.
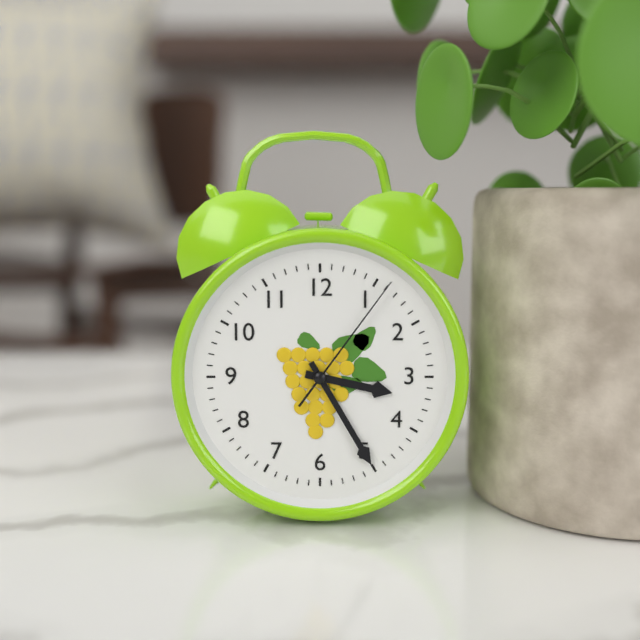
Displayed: **3:25:06**
